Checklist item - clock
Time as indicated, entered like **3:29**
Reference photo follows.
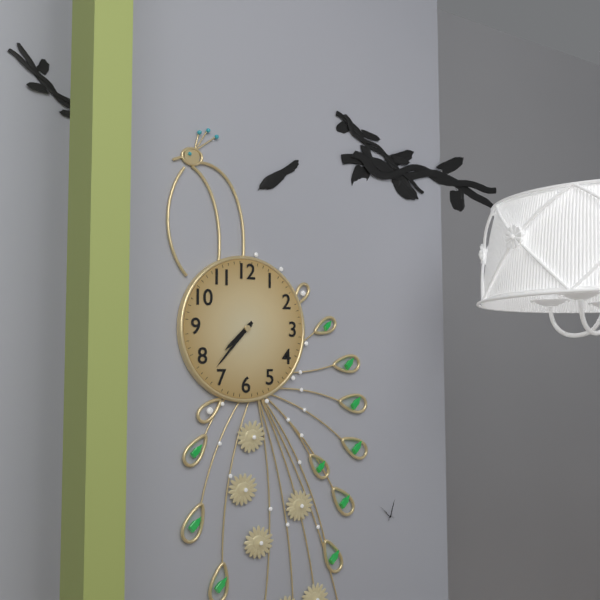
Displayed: **7:37**
